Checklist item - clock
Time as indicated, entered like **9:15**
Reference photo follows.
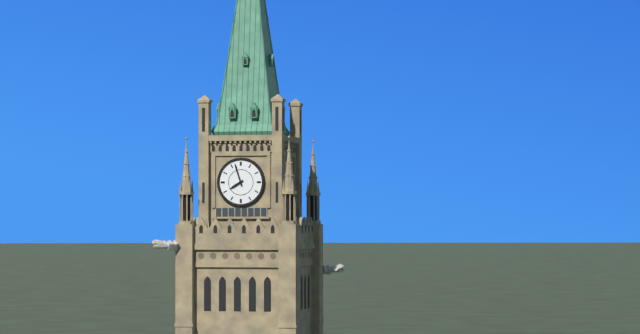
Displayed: **7:57**
